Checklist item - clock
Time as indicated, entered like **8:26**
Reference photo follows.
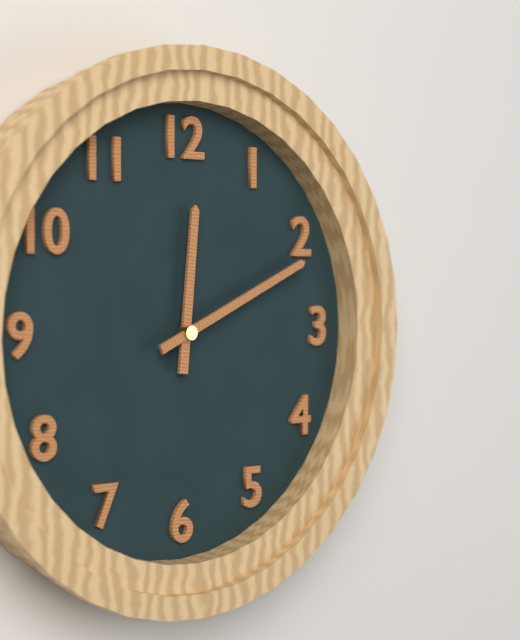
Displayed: **12:11**
